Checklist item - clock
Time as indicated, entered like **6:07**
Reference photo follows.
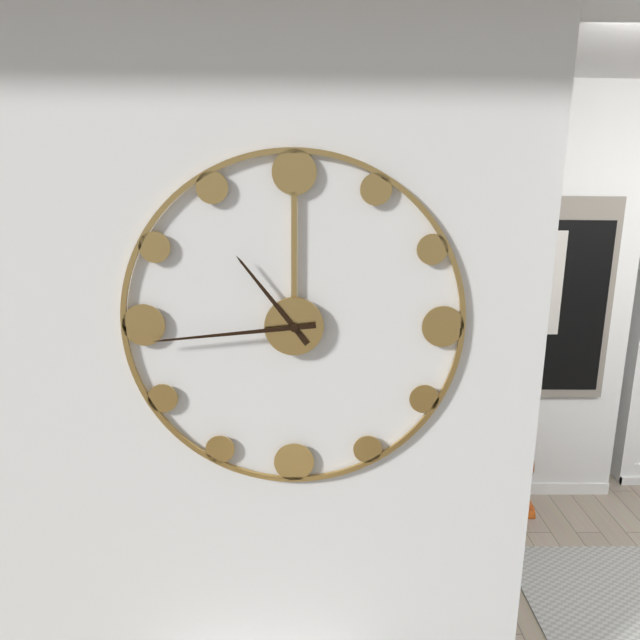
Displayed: **10:44**
